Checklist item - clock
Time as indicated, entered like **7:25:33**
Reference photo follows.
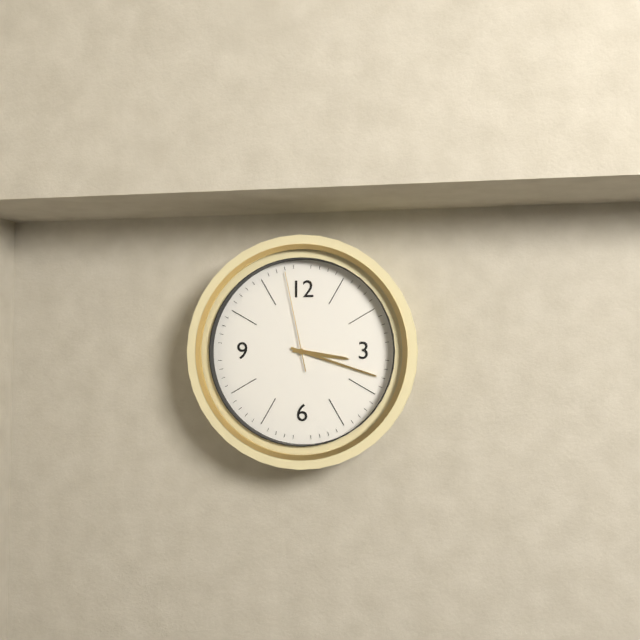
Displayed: **3:18:58**
